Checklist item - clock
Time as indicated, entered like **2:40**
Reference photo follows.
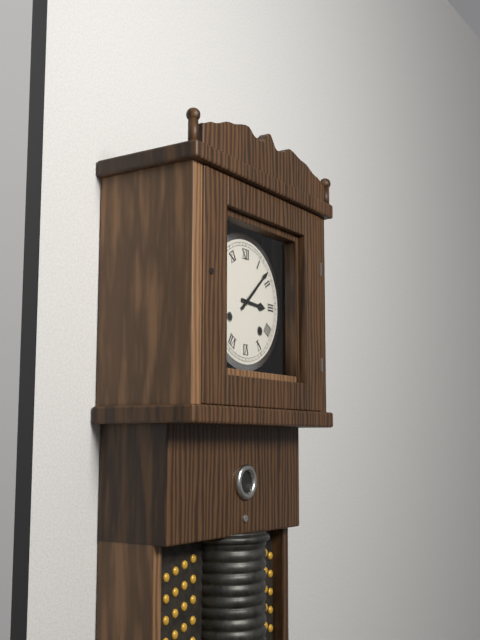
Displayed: **3:08**
